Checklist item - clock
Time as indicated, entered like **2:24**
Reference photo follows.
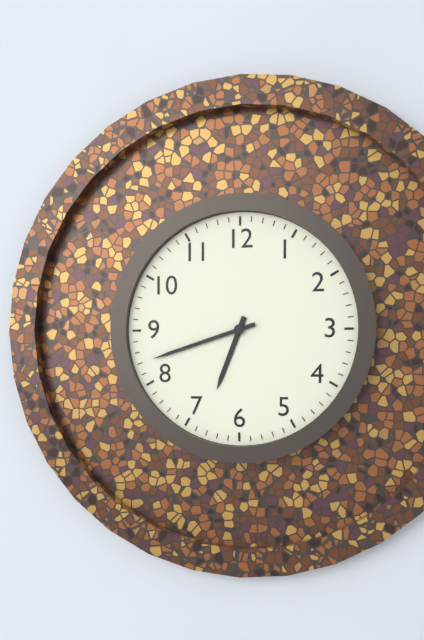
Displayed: **6:42**
